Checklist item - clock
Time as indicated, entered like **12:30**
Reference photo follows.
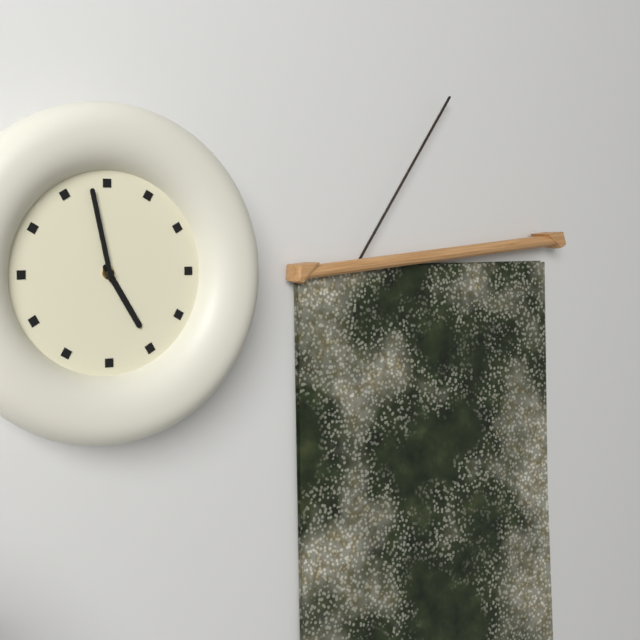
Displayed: **4:58**
